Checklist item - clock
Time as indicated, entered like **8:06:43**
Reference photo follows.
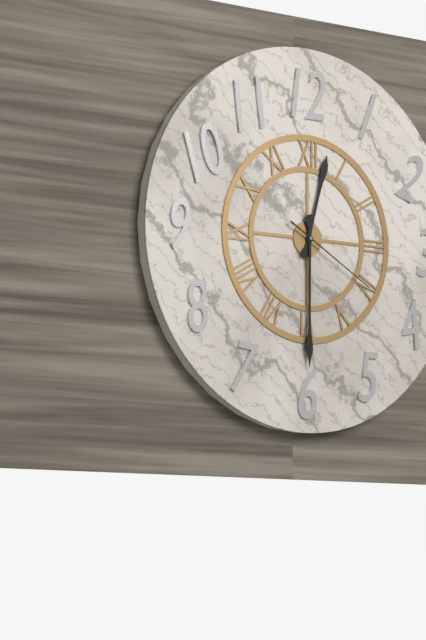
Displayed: **12:30:20**
